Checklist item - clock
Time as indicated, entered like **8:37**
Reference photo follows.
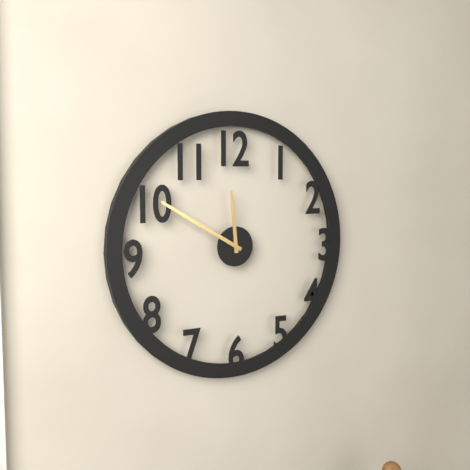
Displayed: **11:50**
